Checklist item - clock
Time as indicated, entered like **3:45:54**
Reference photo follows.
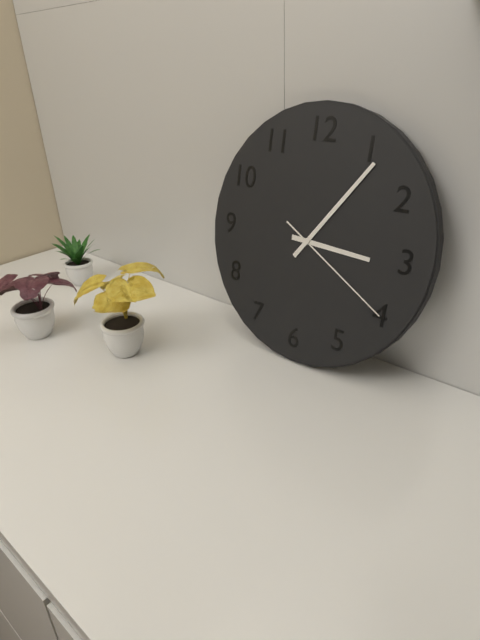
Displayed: **3:06:20**
